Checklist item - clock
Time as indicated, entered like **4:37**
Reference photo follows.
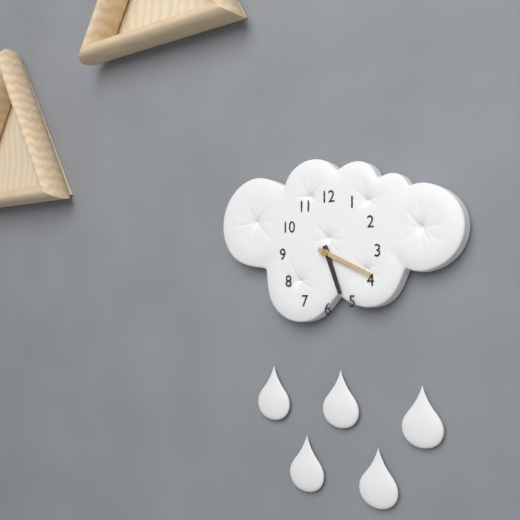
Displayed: **5:19**
